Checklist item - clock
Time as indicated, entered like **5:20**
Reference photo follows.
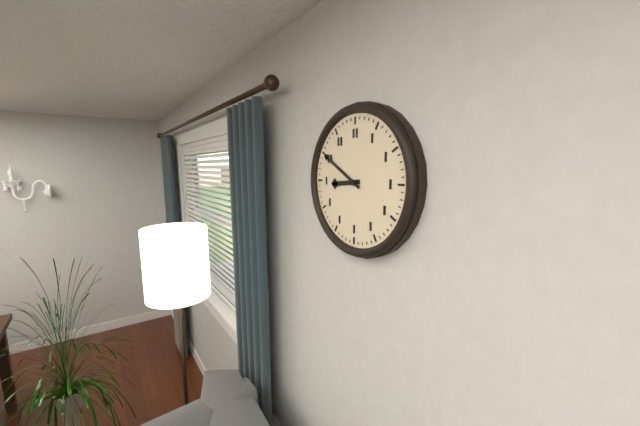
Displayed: **8:50**
